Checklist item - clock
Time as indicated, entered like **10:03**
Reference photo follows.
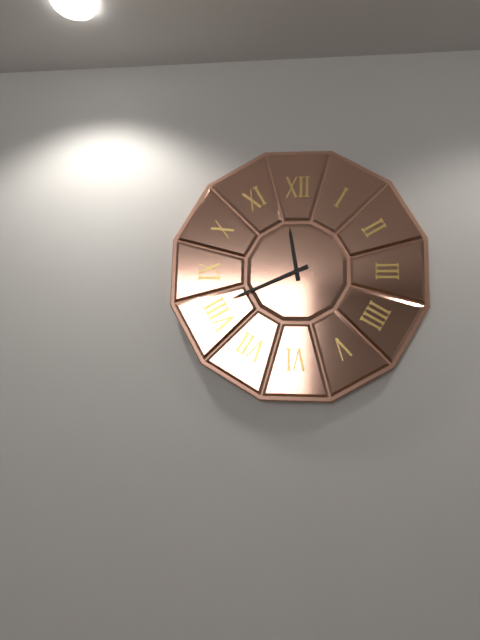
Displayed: **11:41**
